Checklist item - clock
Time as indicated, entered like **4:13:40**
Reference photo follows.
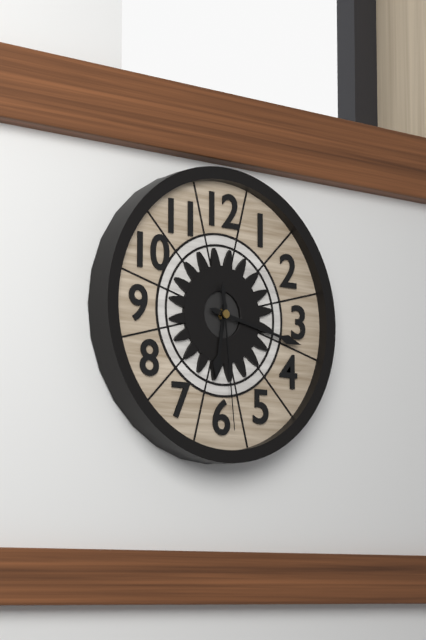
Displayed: **6:17:29**
